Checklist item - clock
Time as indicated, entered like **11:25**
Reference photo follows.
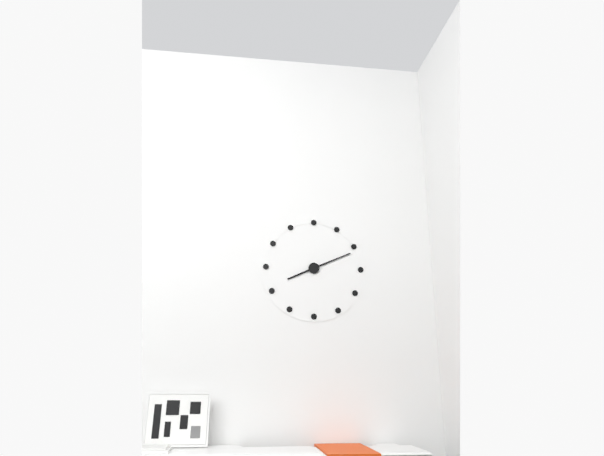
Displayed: **8:11**
